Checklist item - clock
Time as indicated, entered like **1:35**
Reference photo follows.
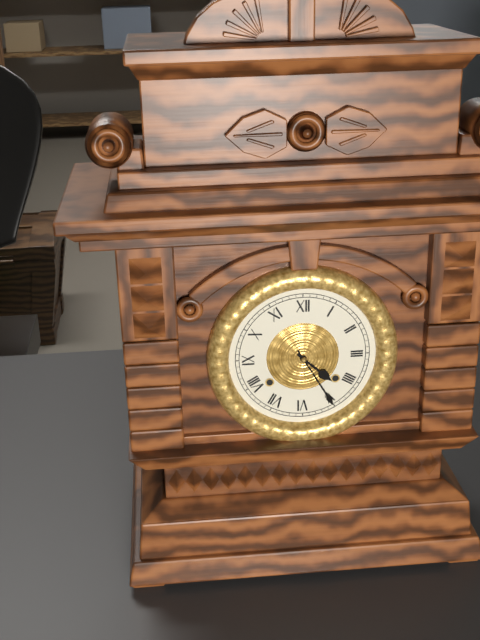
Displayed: **4:25**
